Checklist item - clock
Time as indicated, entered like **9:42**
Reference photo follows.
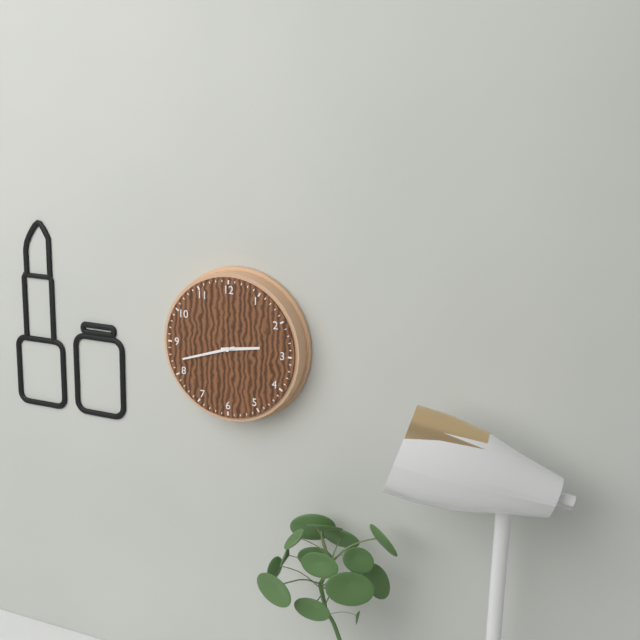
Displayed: **2:42**
